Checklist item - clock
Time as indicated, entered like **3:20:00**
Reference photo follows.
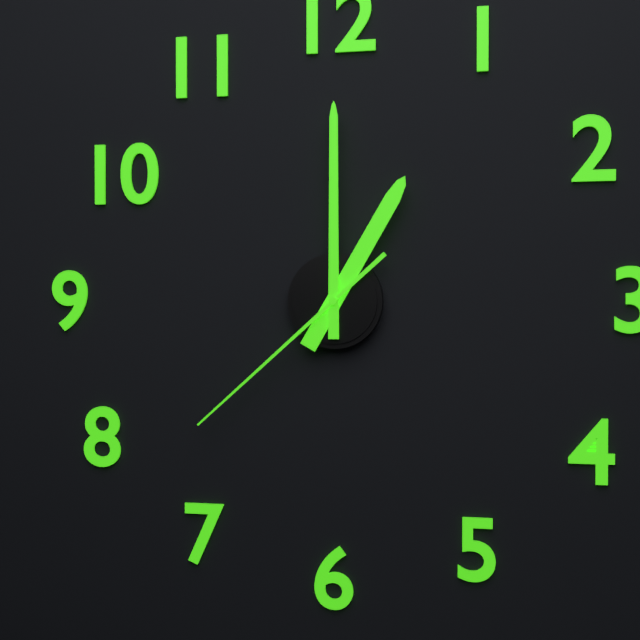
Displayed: **1:00:38**
